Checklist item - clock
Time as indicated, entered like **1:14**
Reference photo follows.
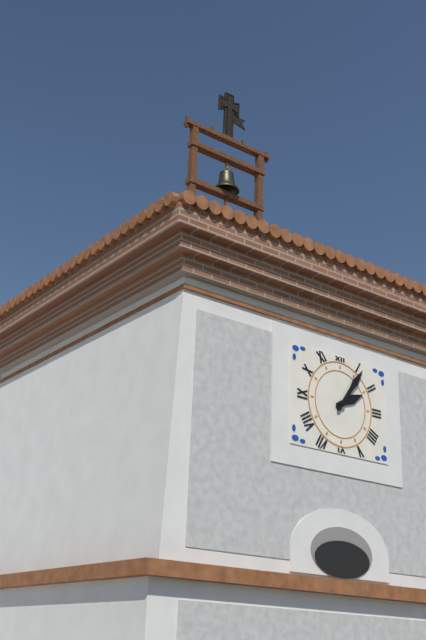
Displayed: **2:06**
